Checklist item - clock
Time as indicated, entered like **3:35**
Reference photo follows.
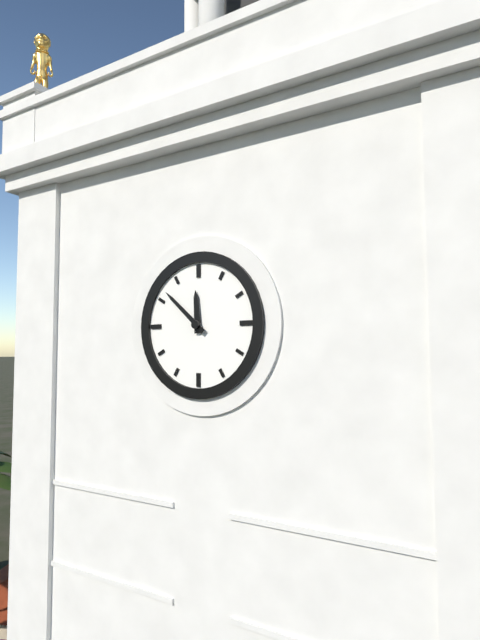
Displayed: **11:52**
